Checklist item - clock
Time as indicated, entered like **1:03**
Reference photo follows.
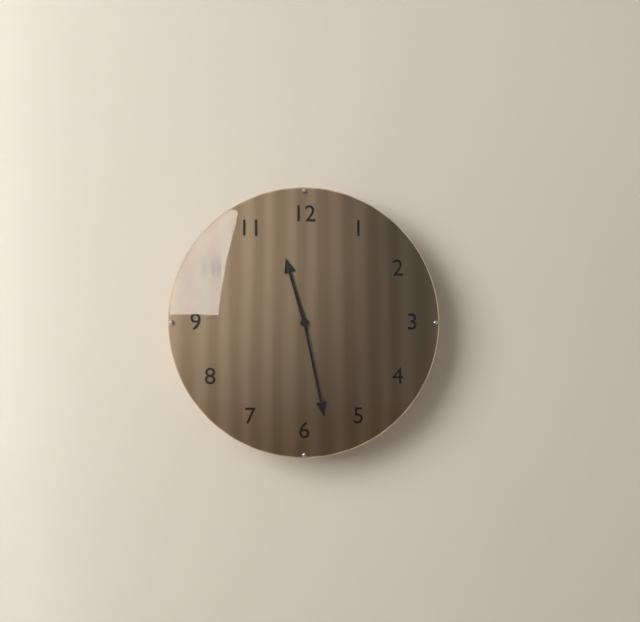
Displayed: **11:28**
